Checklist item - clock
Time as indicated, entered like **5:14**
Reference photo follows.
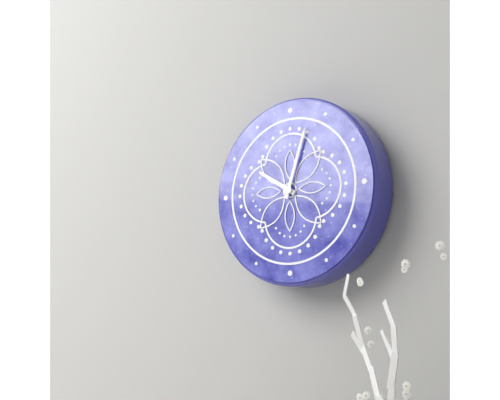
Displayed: **10:03**
